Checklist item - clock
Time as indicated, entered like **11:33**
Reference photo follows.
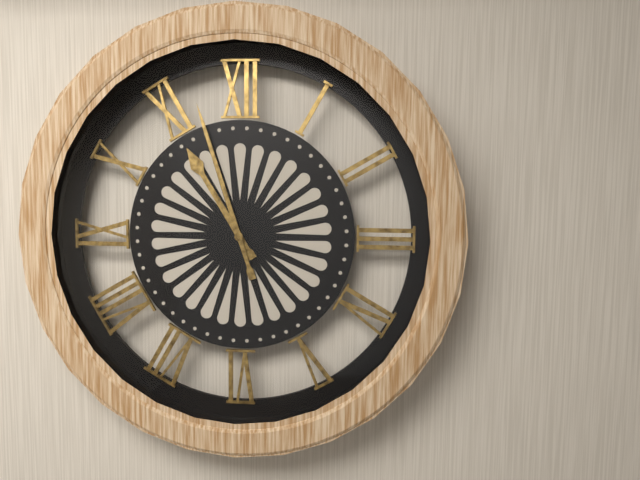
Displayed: **10:57**
